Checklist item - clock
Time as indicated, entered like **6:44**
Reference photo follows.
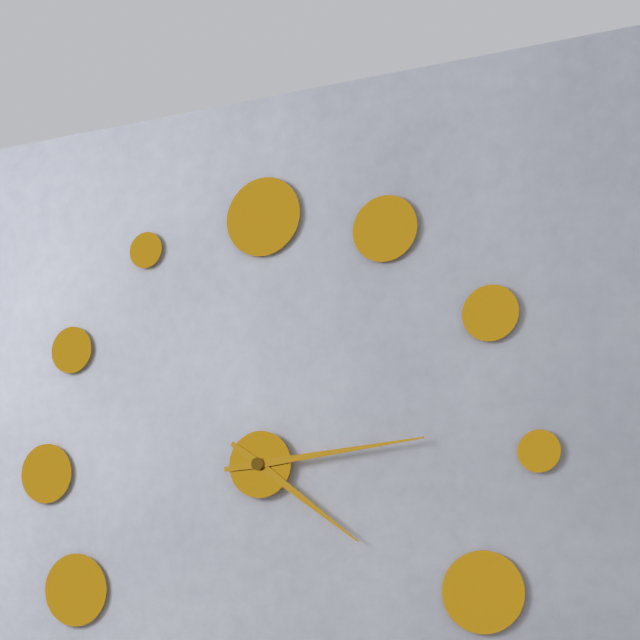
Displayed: **4:14**
